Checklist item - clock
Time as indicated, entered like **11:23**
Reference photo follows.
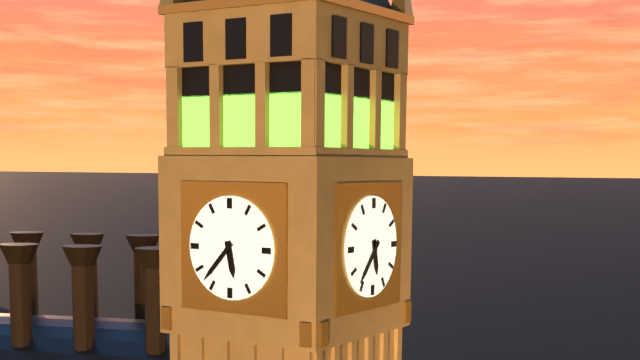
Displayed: **5:37**
